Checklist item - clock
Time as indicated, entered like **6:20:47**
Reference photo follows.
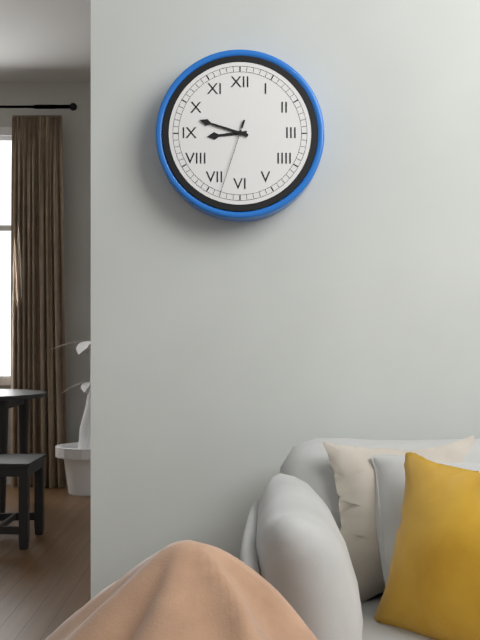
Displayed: **8:48:33**
